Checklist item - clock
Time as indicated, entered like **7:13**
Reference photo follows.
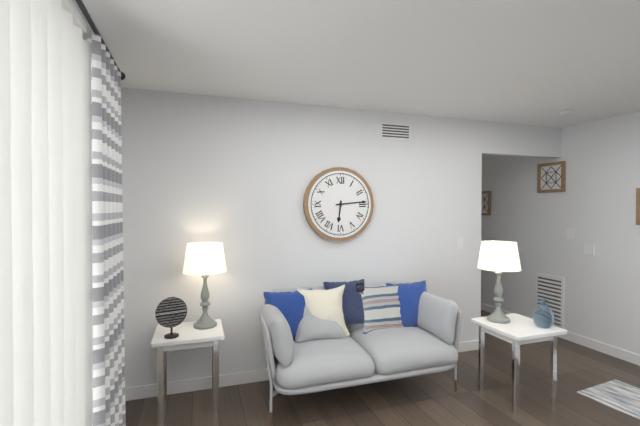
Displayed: **6:14**
